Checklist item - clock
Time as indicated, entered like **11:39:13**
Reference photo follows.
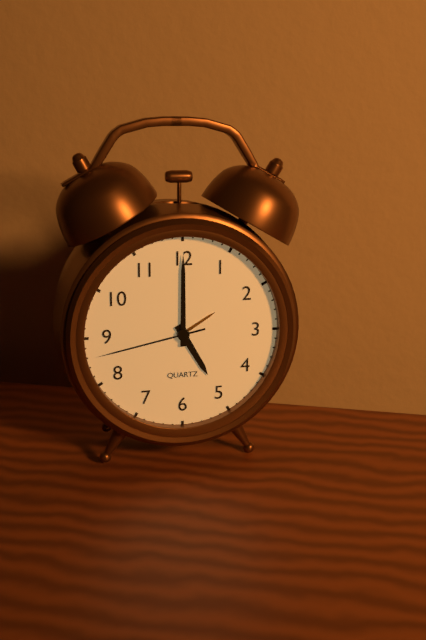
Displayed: **5:00:43**
